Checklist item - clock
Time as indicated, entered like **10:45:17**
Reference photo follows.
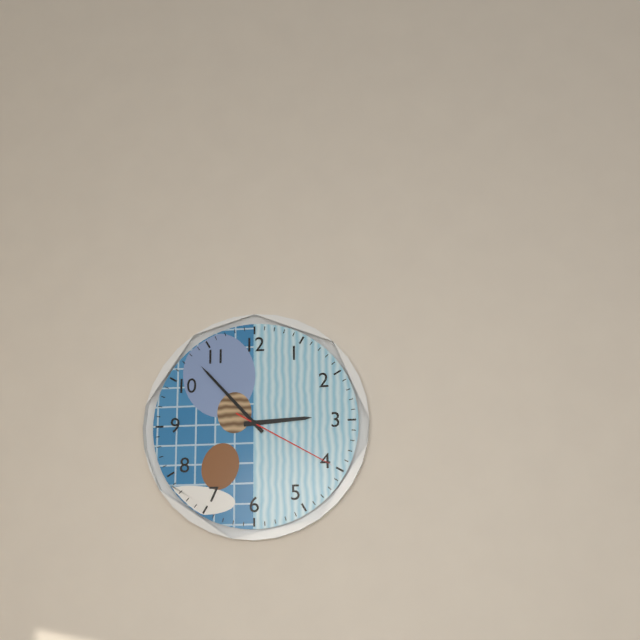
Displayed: **2:53:20**
